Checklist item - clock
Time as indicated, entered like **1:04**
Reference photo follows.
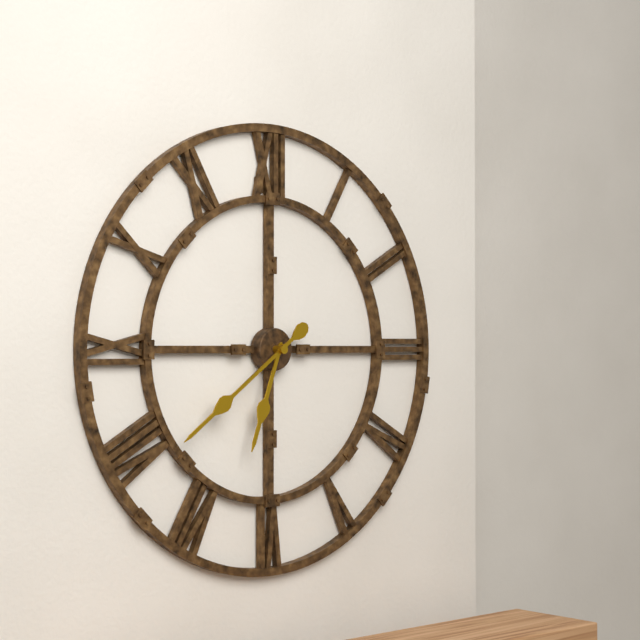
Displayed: **6:39**
